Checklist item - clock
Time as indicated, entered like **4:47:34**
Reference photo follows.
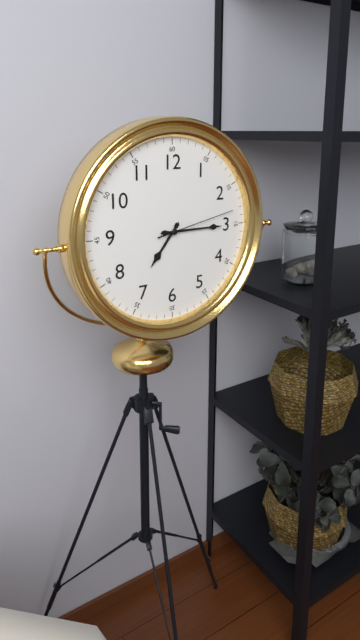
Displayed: **7:15:13**
